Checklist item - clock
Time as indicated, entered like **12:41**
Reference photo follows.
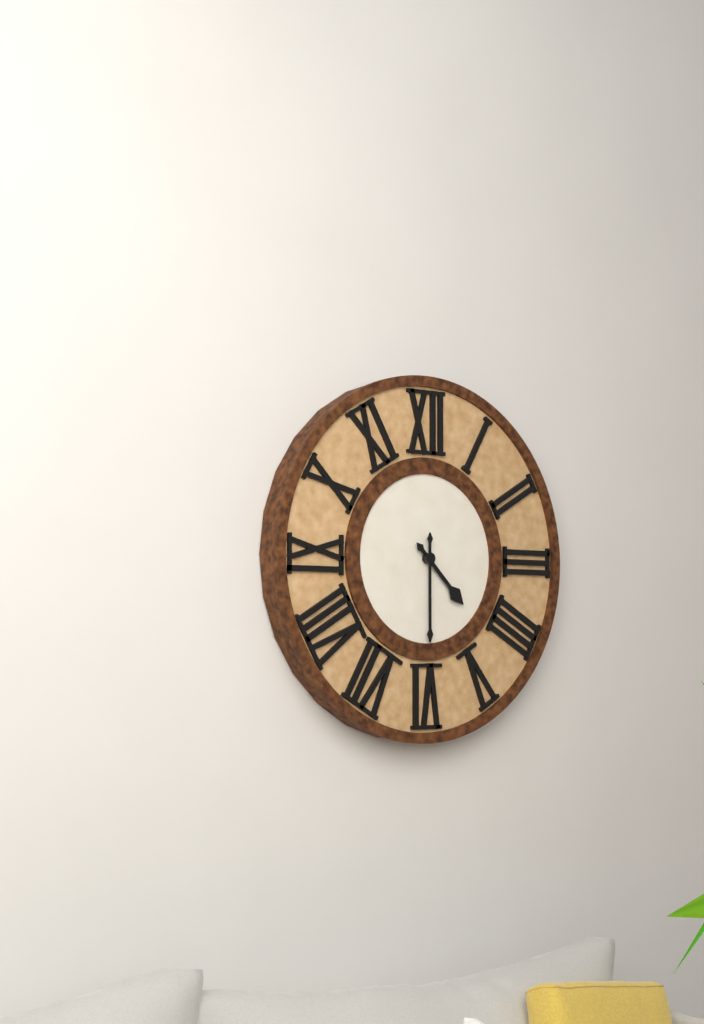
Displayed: **4:30**
